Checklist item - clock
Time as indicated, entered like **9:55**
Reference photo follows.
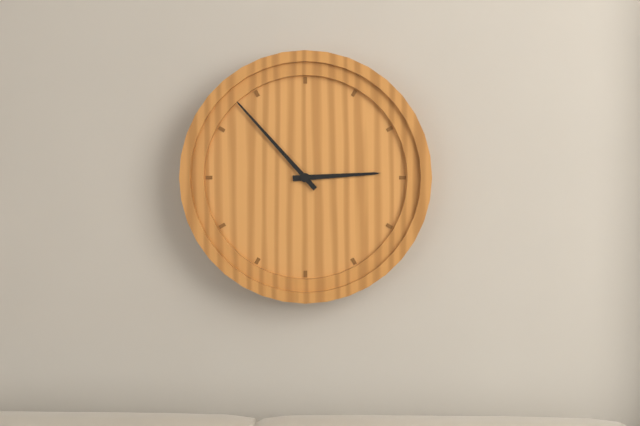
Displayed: **2:53**
